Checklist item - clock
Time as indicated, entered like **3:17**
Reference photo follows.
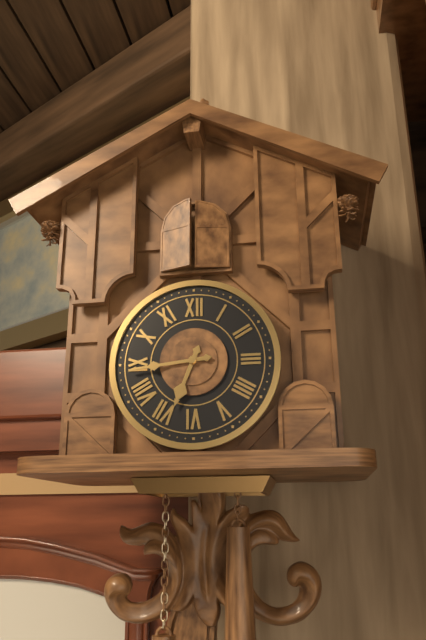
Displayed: **6:44**
